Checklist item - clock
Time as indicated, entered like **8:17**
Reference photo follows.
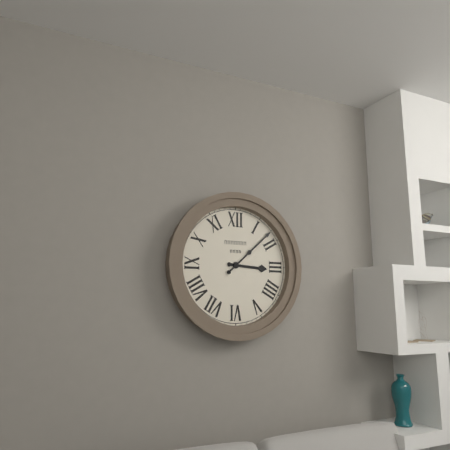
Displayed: **3:08**
